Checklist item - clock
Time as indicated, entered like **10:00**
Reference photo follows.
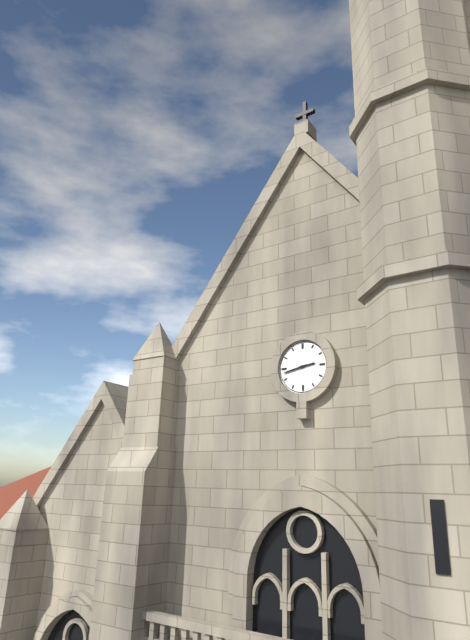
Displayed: **2:43**
